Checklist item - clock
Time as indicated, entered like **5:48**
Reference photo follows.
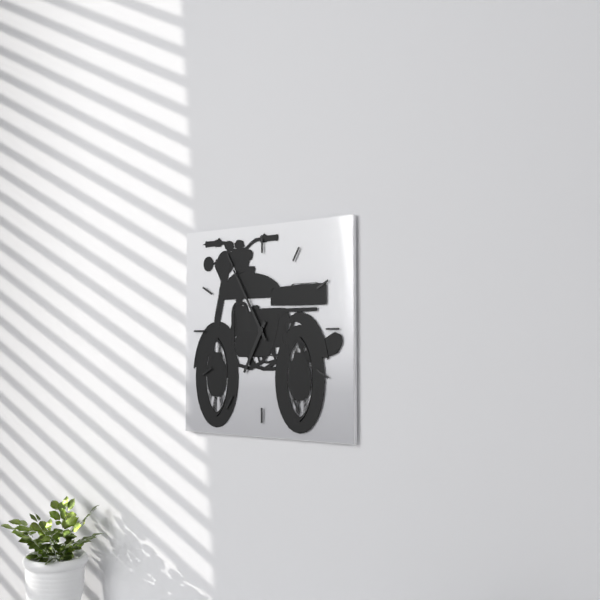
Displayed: **6:55**
